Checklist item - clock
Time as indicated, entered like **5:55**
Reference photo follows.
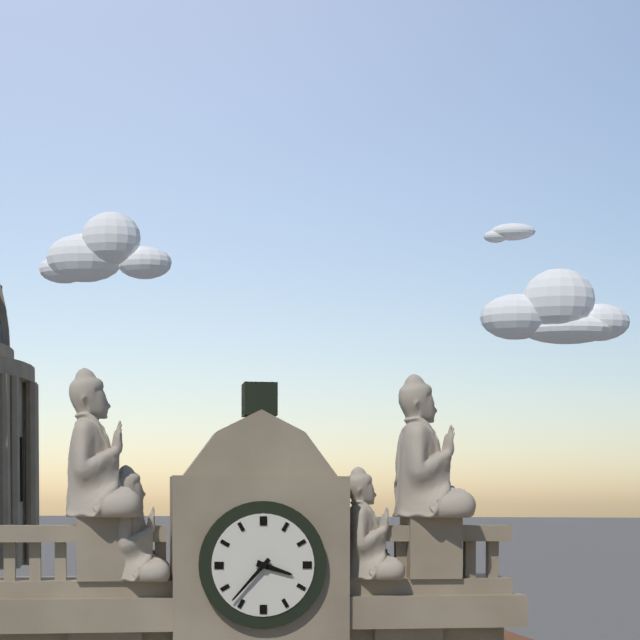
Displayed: **3:37**
